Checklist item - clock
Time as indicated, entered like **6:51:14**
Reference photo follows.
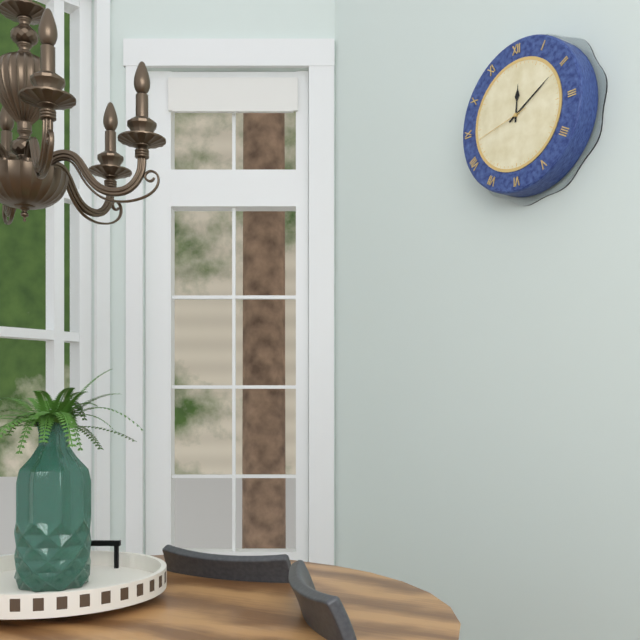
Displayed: **12:10:43**
